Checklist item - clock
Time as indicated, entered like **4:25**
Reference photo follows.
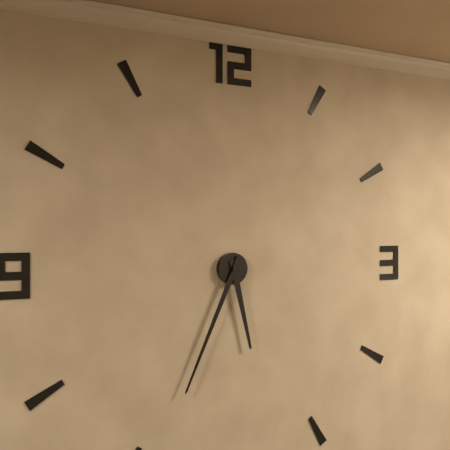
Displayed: **5:34**
